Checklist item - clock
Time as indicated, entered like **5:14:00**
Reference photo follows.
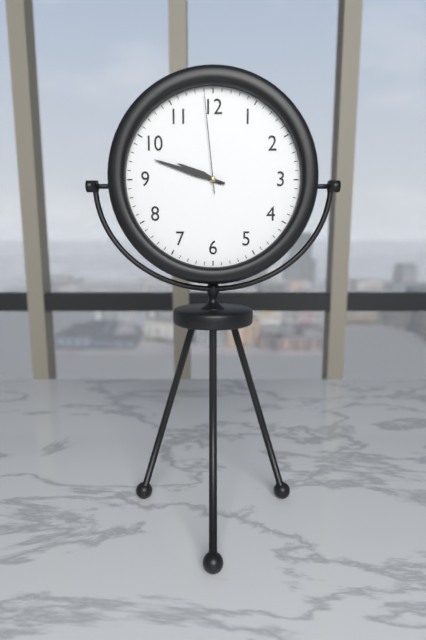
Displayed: **9:48:59**
